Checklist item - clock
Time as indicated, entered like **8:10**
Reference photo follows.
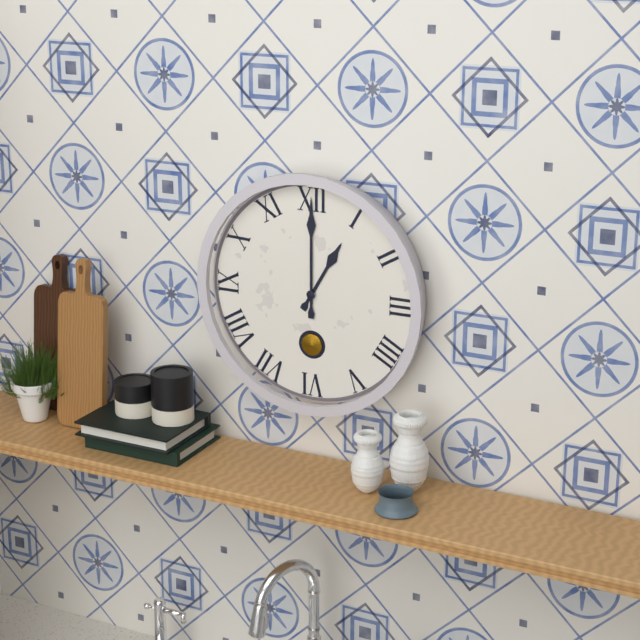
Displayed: **1:00**
